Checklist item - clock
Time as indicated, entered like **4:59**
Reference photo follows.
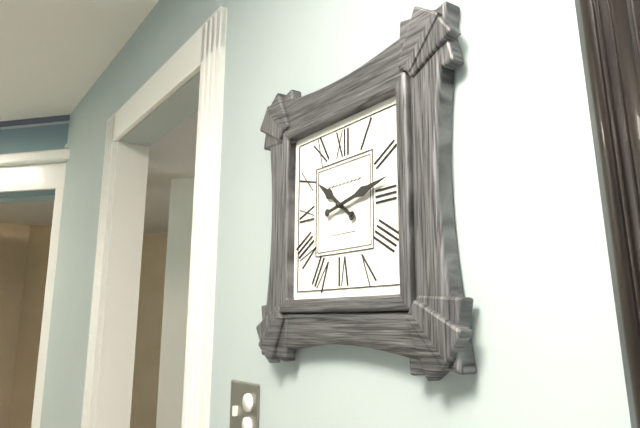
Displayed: **10:13**
